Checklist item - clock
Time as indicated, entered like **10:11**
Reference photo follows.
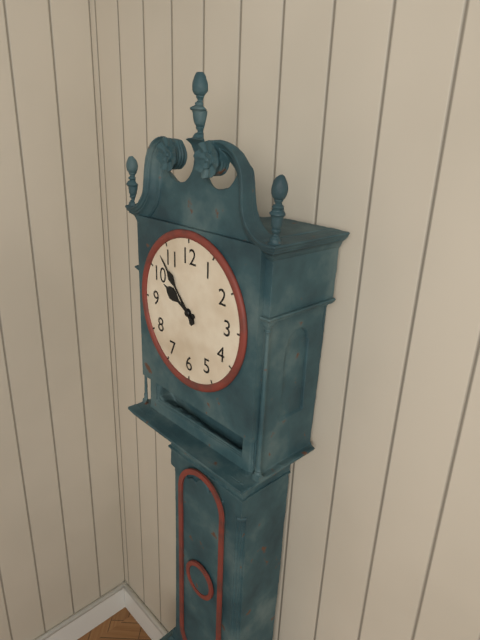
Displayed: **9:53**
